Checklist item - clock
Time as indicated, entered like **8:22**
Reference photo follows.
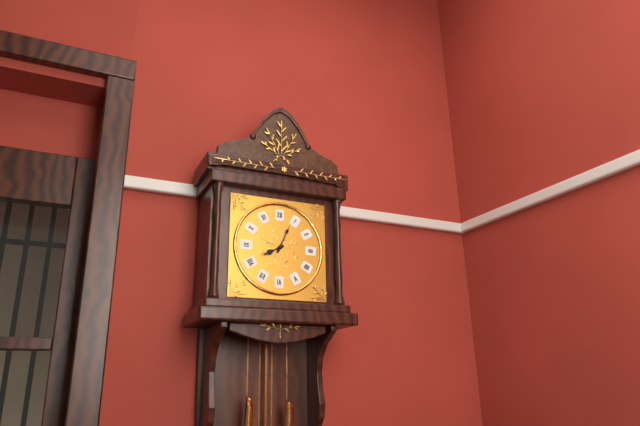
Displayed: **8:04**
